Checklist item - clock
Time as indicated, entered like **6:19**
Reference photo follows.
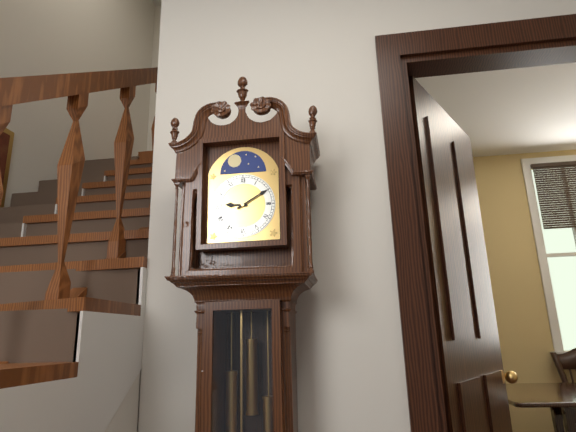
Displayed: **9:10**
